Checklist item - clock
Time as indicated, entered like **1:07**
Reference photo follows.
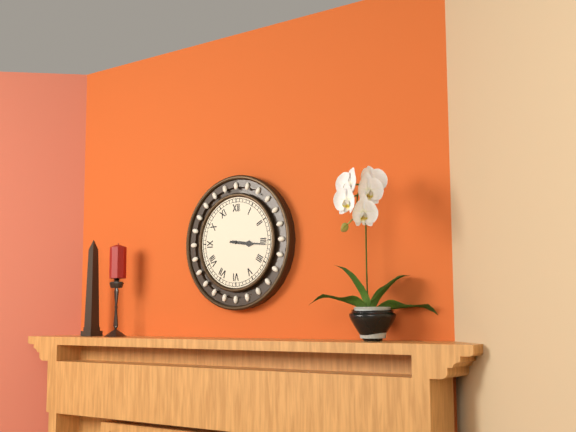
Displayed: **3:16**
